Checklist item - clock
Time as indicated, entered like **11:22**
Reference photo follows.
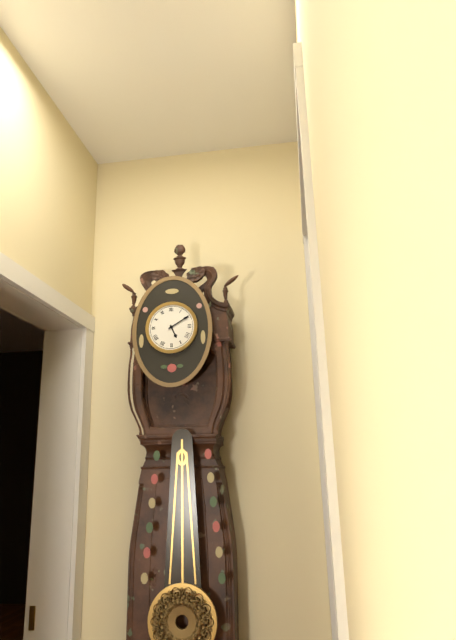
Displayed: **5:10**
